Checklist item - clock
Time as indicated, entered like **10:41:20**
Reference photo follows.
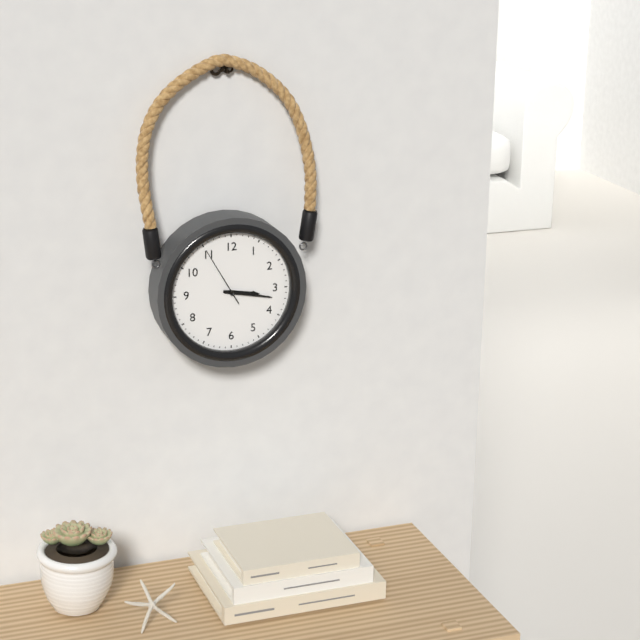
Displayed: **3:17:55**
